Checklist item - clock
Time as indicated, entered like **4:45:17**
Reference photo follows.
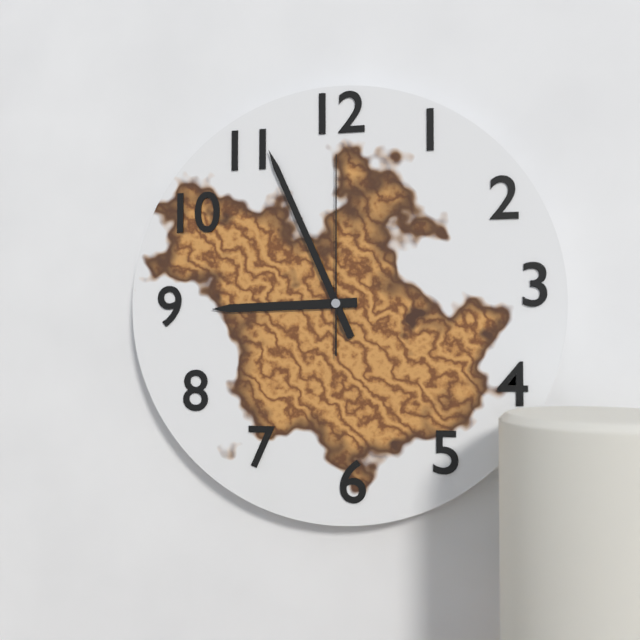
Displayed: **8:56:00**
